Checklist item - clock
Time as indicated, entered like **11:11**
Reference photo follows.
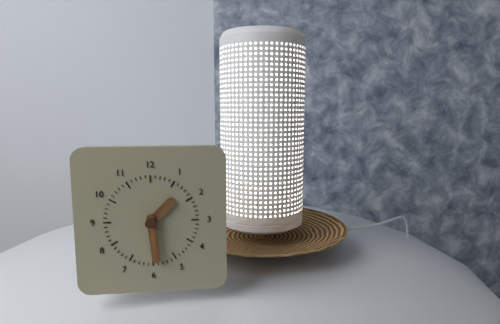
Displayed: **1:29**
